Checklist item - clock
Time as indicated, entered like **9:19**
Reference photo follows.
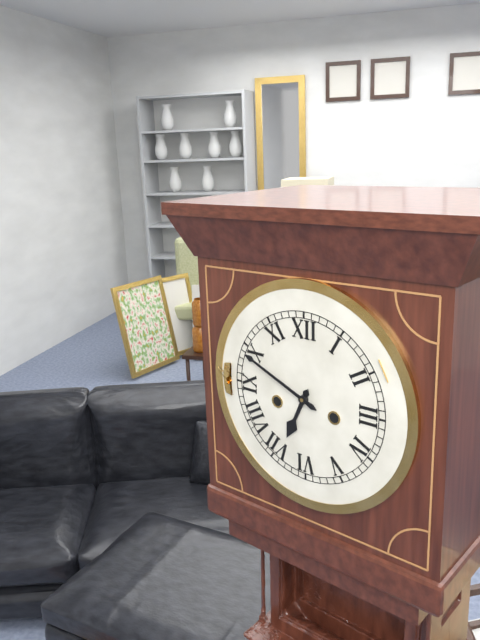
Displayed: **6:49**
